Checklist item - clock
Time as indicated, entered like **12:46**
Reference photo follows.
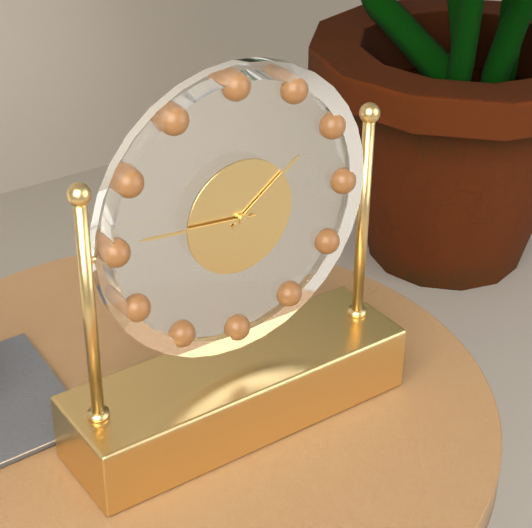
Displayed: **1:46**
